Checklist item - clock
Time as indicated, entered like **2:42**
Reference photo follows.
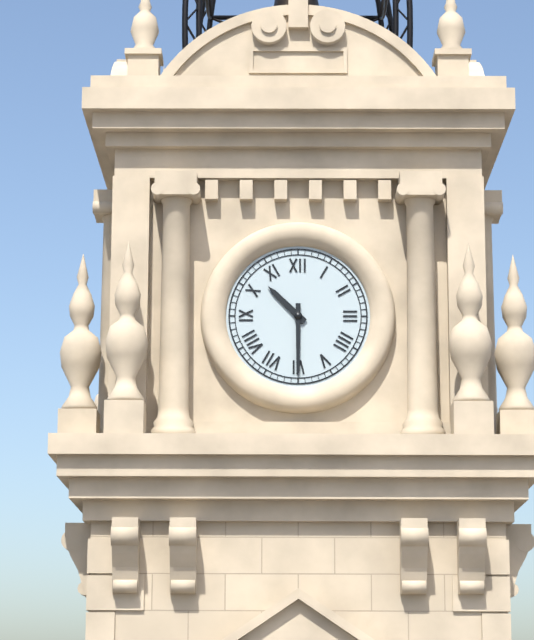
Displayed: **10:30**
